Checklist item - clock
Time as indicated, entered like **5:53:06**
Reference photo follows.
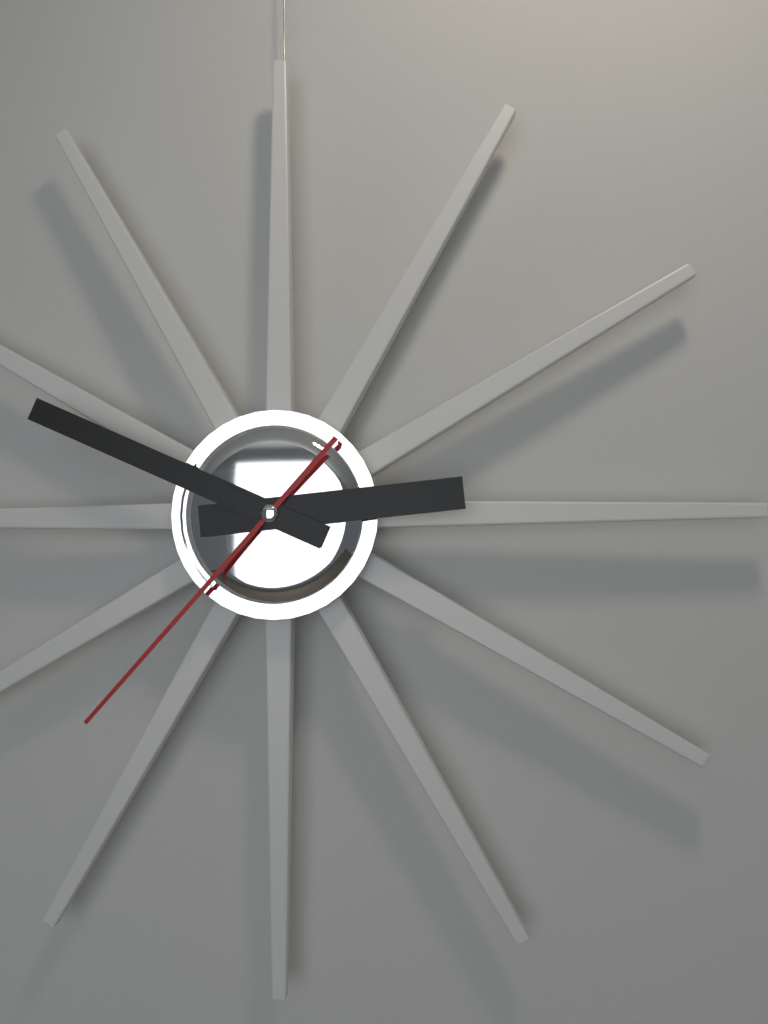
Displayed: **2:49:37**
